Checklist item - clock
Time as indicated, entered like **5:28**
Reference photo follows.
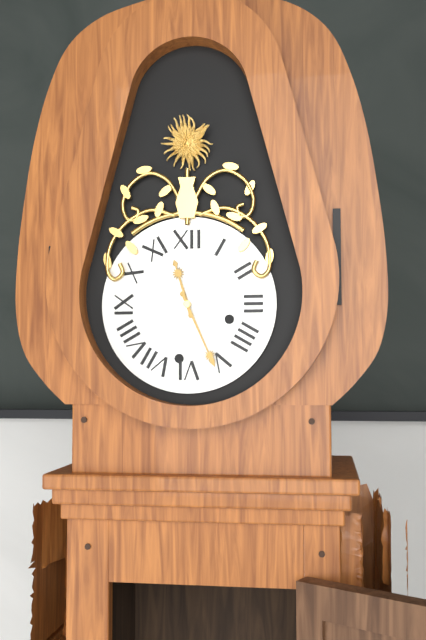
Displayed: **11:26**
